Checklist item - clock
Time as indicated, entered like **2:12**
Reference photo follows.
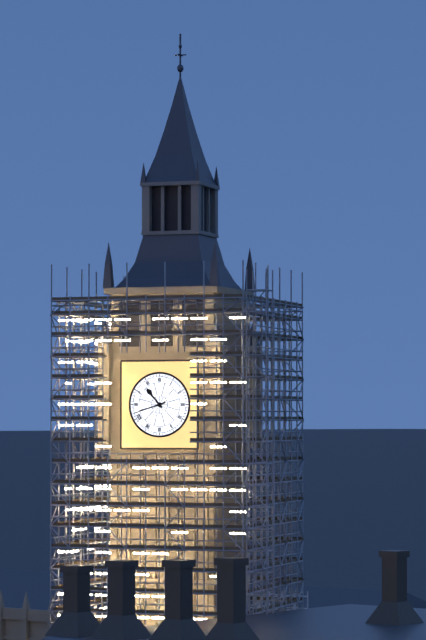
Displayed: **10:42**
